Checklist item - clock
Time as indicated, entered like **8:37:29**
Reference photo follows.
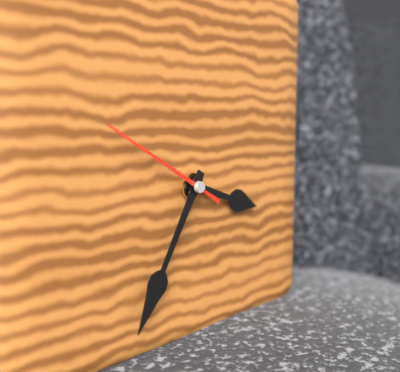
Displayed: **3:35:50**
